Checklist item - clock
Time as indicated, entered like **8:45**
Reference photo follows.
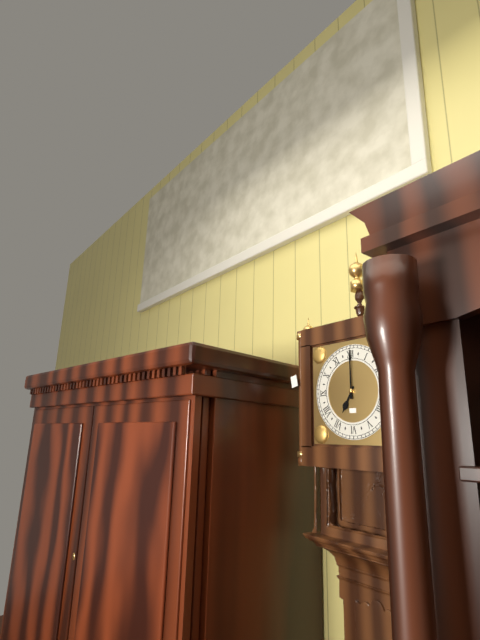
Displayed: **7:00**
